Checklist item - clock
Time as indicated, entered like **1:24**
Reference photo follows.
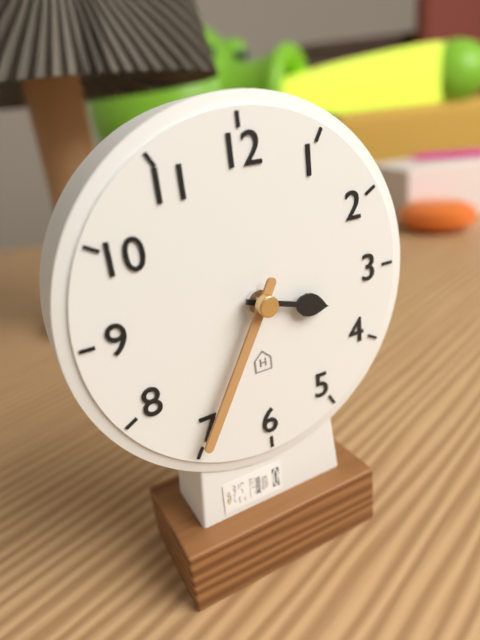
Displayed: **3:35**
